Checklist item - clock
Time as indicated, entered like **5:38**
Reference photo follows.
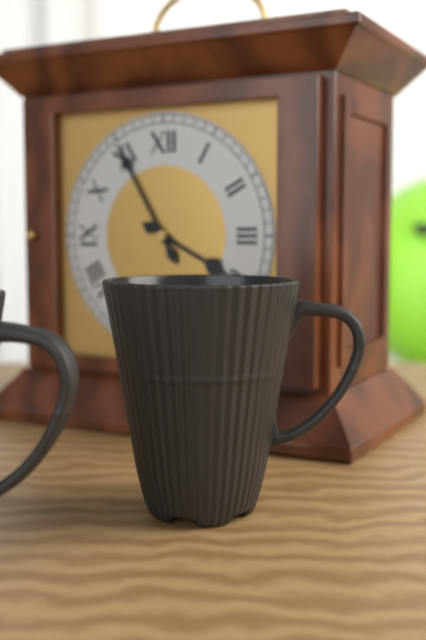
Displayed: **3:55**
